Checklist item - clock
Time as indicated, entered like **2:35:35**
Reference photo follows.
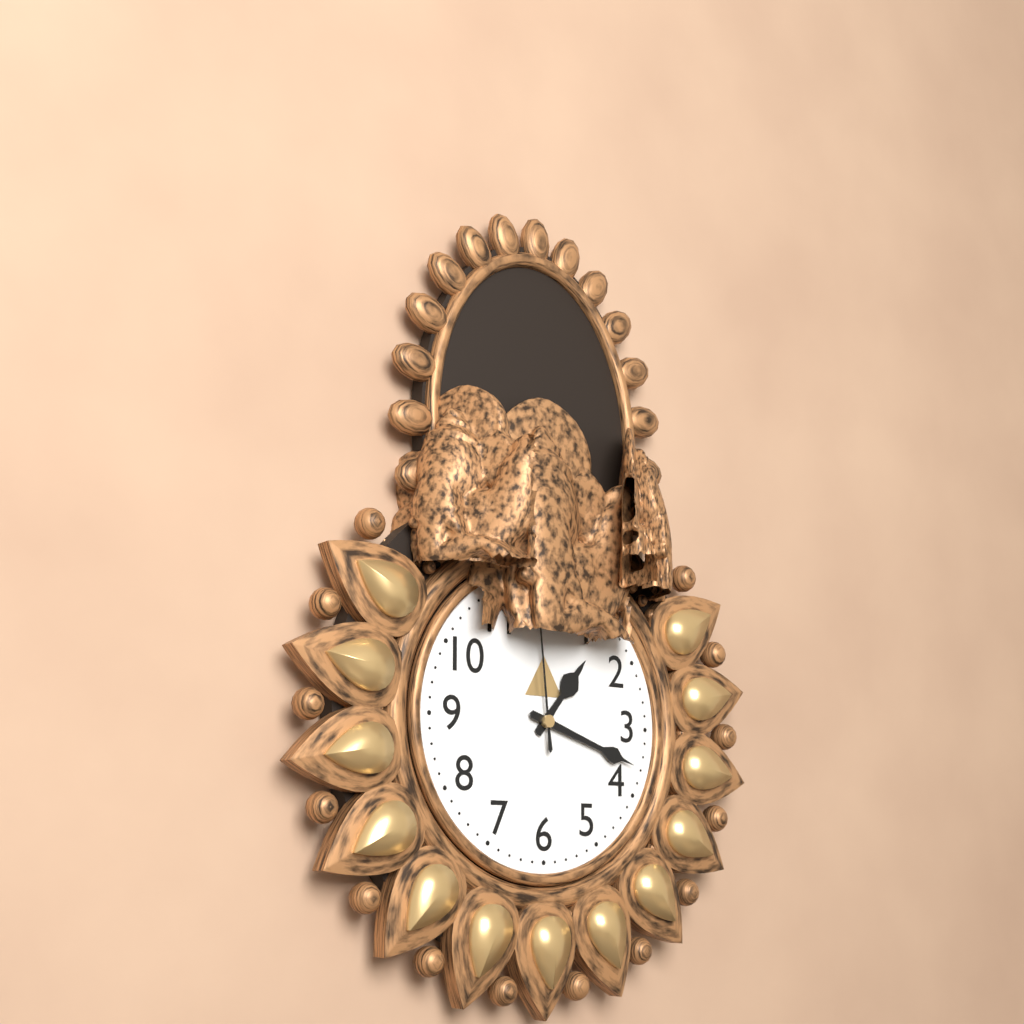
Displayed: **1:18:59**
